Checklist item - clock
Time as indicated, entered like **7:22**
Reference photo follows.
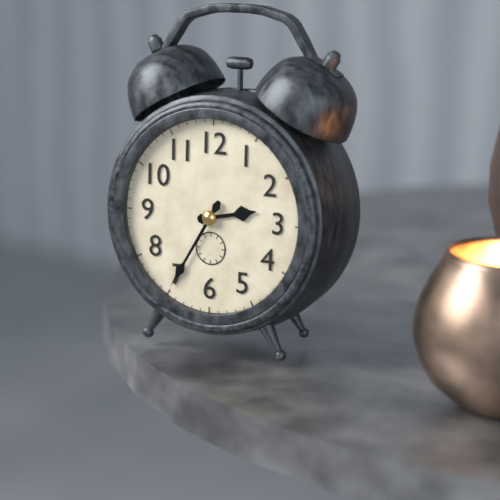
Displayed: **2:35**
